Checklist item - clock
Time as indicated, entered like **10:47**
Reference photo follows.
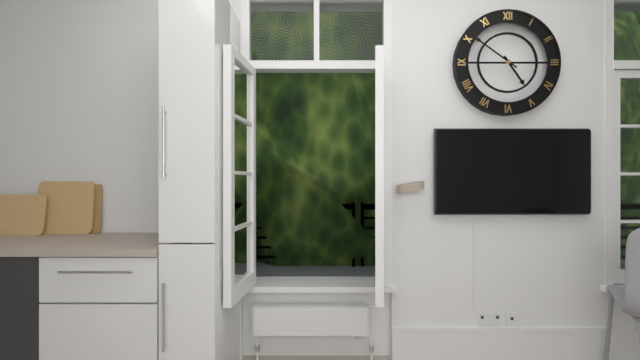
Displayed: **4:51**
